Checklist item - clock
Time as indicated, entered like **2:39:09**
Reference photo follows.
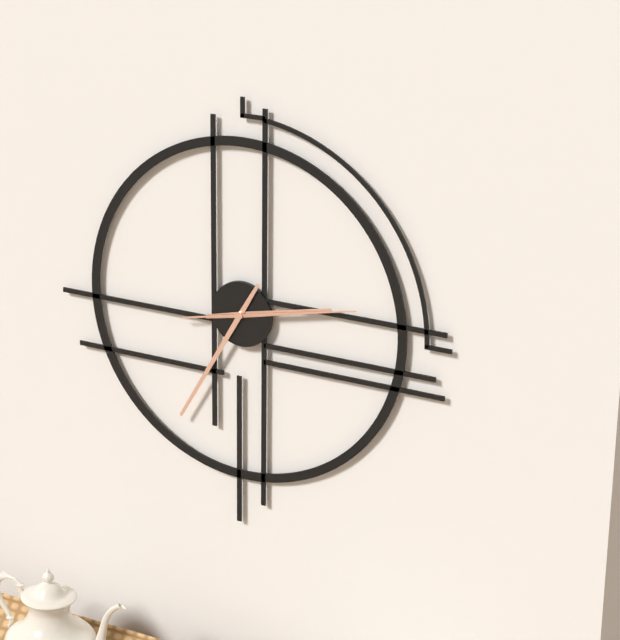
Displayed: **2:35:13**
